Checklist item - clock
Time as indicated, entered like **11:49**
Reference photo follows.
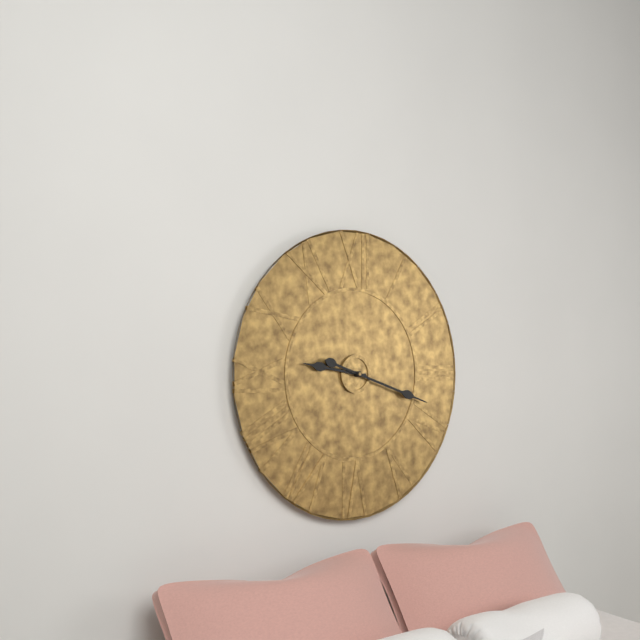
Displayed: **9:18**
